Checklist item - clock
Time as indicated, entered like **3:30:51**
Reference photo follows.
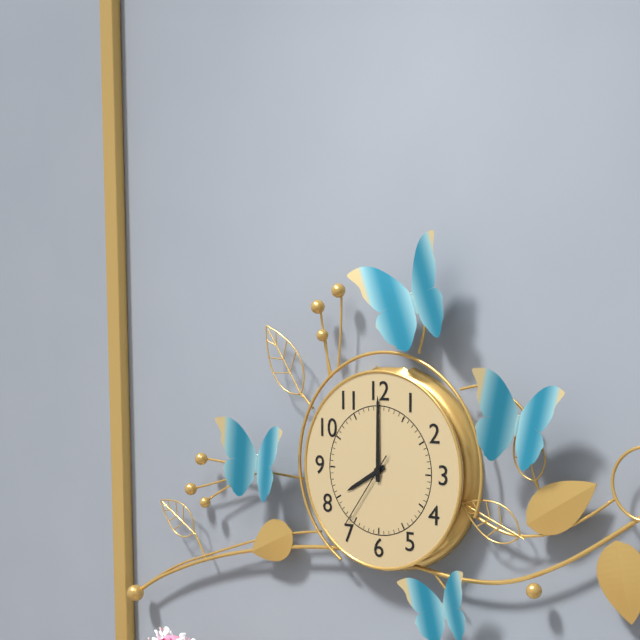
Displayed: **8:00:36**
